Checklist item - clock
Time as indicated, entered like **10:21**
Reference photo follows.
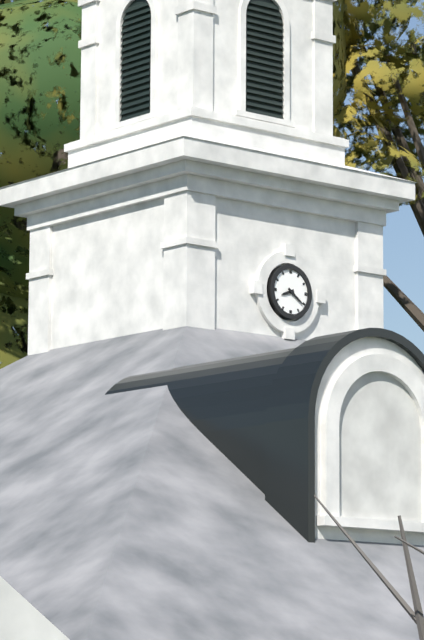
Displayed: **8:21**
